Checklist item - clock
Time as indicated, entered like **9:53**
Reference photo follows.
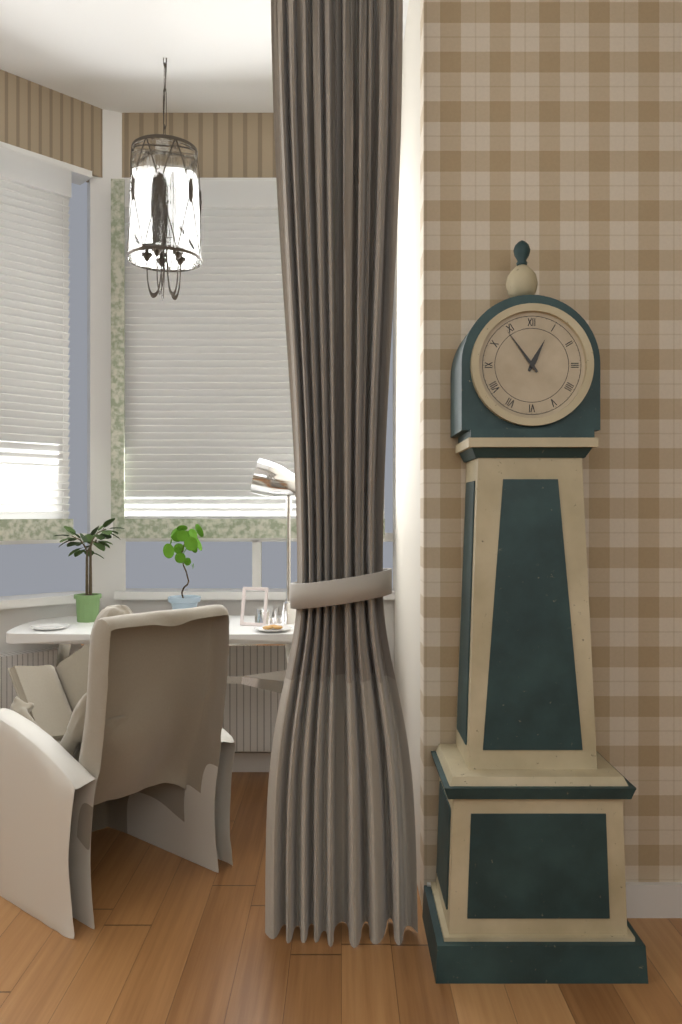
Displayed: **12:54**
